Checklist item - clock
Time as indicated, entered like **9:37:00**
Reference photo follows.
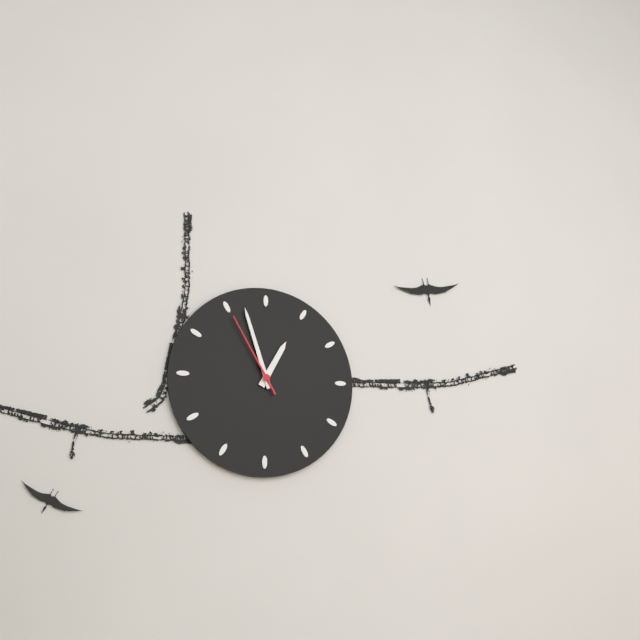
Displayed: **12:57:55**
